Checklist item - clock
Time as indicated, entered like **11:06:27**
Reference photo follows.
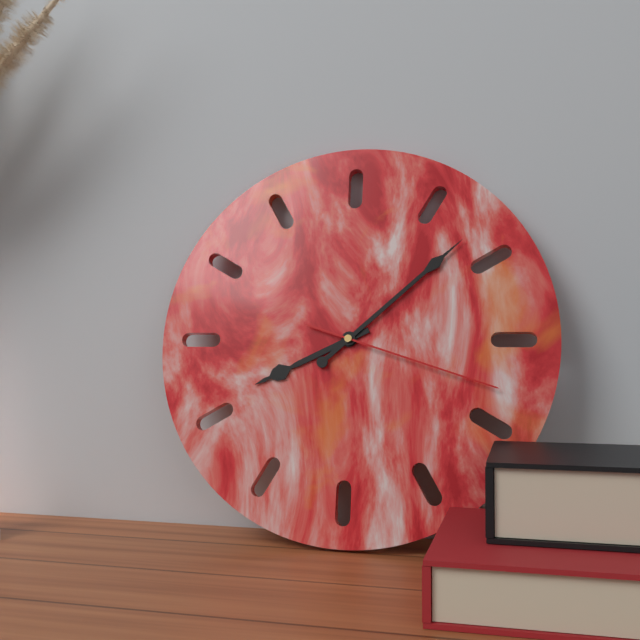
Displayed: **8:08:18**
